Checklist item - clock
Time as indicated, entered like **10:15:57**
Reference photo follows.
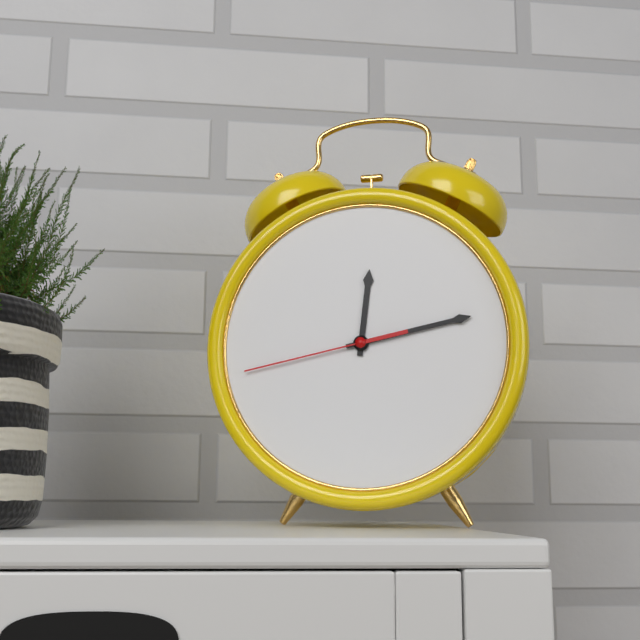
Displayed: **12:13:43**
